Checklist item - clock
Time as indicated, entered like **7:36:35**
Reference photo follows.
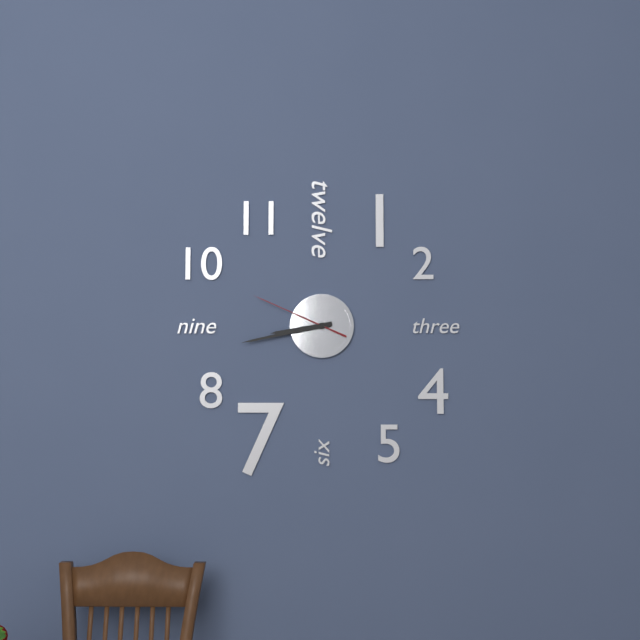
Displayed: **8:43:49**
